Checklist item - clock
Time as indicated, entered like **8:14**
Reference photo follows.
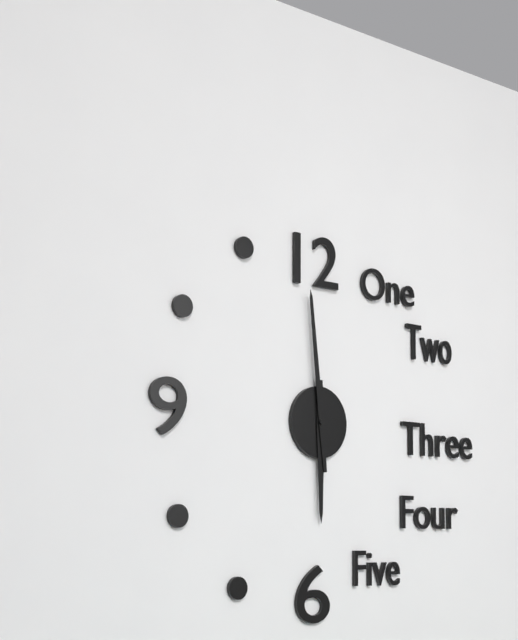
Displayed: **5:59**
